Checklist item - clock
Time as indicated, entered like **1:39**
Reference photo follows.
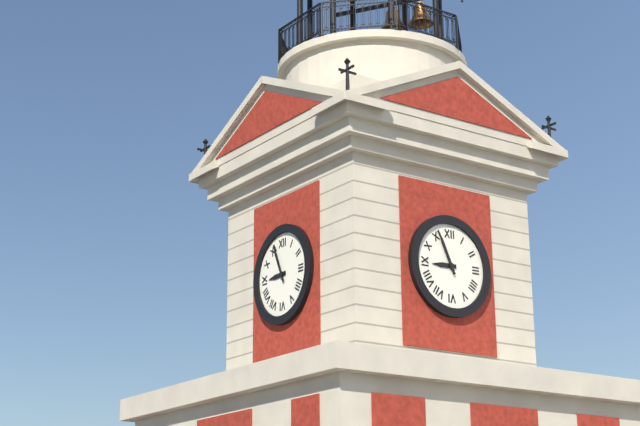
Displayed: **8:56**
